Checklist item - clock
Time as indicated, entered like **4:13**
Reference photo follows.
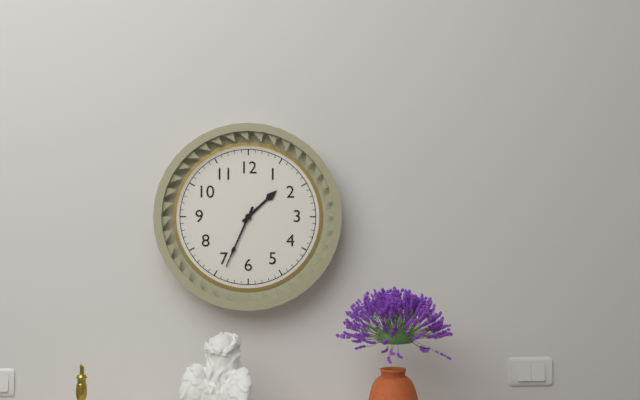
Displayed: **1:34**
